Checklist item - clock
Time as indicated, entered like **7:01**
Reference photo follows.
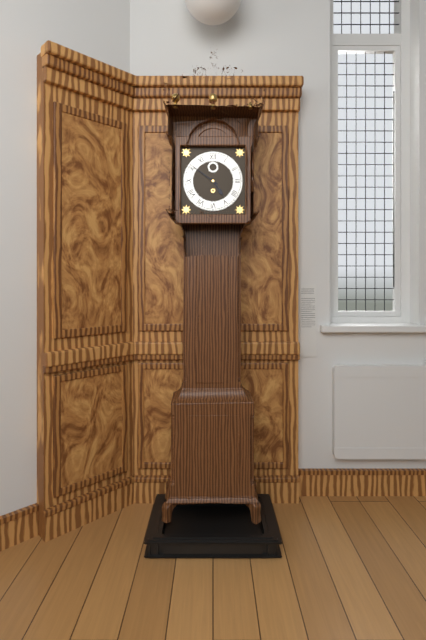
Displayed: **4:51**
